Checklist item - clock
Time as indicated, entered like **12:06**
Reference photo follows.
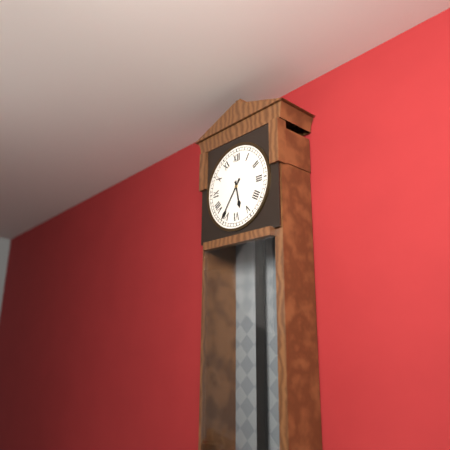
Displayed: **5:36**
